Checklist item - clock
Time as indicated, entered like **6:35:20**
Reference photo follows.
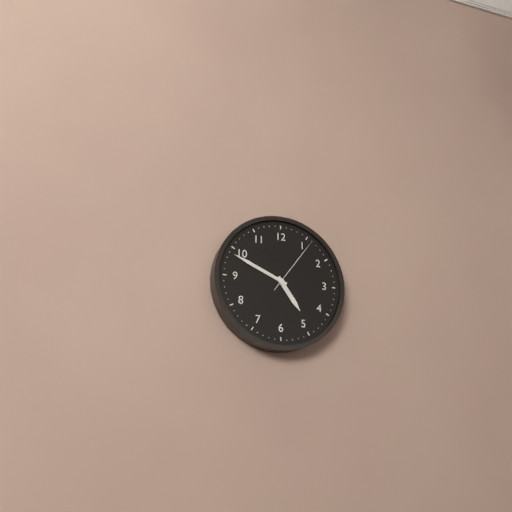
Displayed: **4:49:06**
